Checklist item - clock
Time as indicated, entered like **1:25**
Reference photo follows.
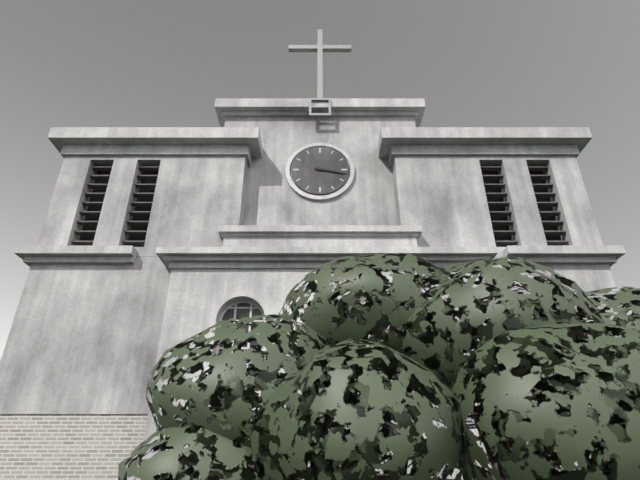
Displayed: **3:17**
